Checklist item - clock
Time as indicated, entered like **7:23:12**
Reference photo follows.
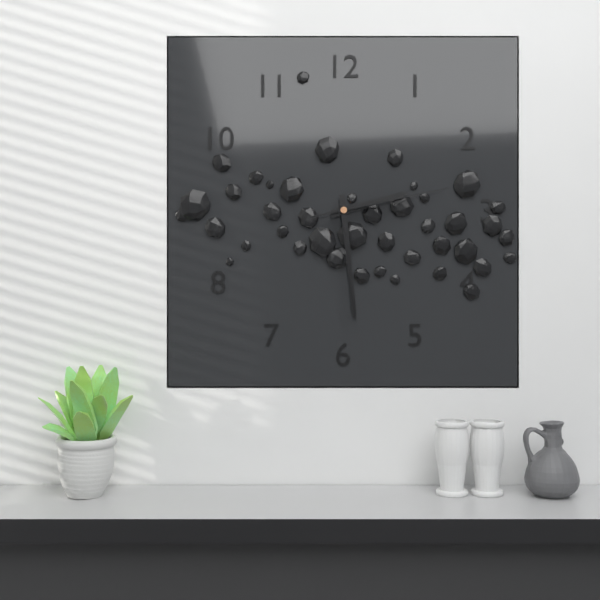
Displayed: **2:29:13**
